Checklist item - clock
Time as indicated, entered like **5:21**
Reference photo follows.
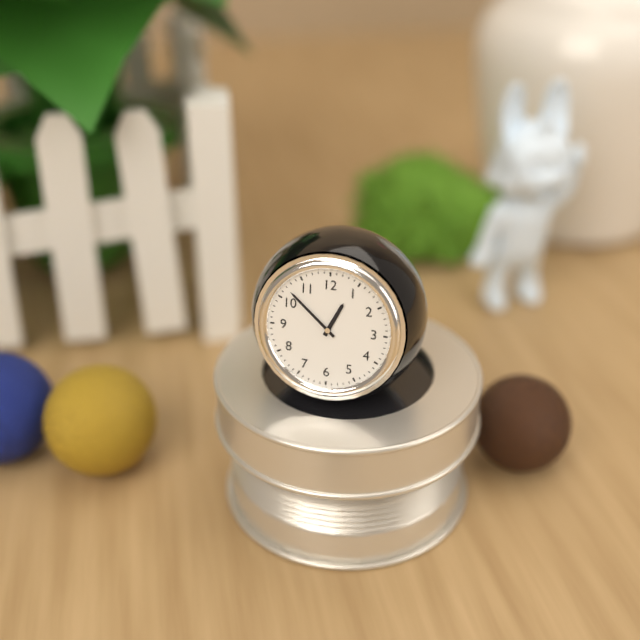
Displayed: **12:52**
